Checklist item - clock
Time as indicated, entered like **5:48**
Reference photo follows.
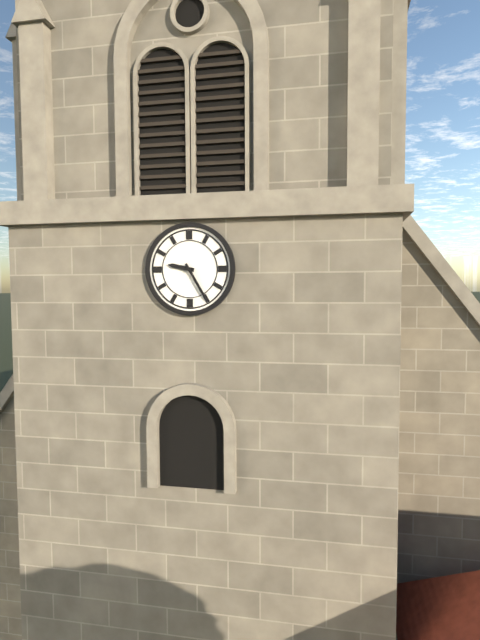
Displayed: **9:25**
